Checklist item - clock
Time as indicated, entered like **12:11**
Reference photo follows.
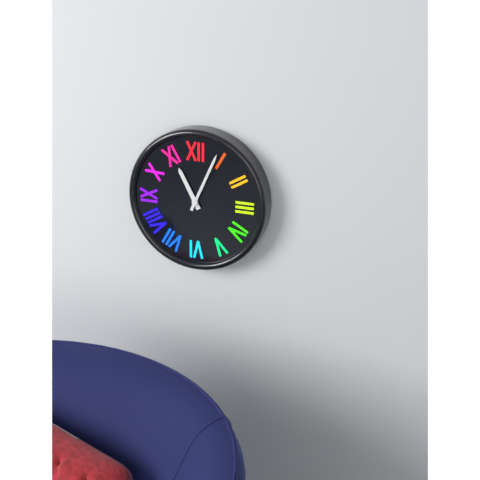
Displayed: **11:04**
